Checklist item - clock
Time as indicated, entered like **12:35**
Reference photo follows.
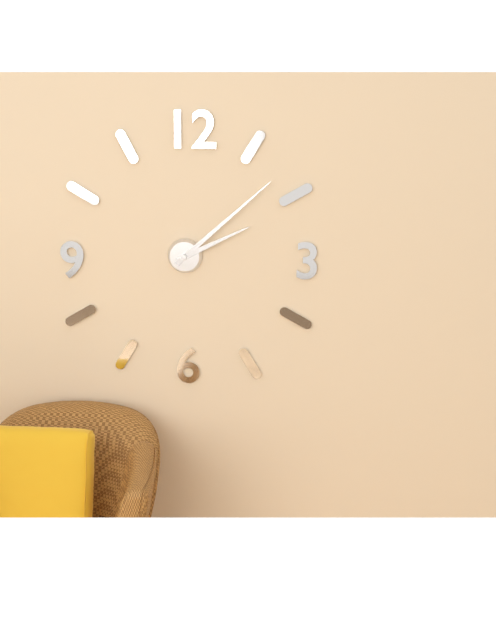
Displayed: **2:08**
